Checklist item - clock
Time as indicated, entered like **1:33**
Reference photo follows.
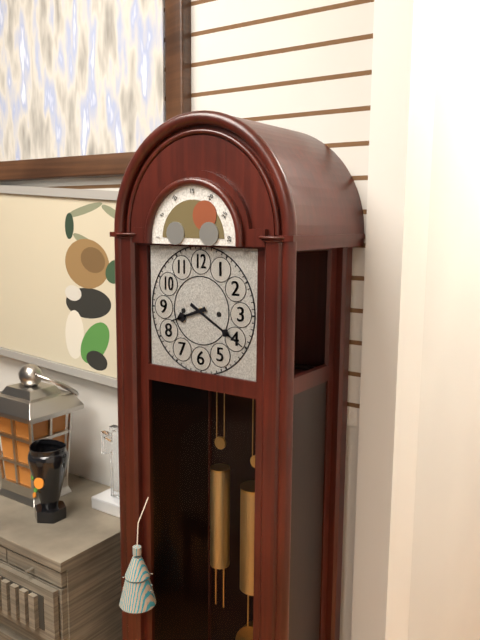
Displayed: **8:20**
